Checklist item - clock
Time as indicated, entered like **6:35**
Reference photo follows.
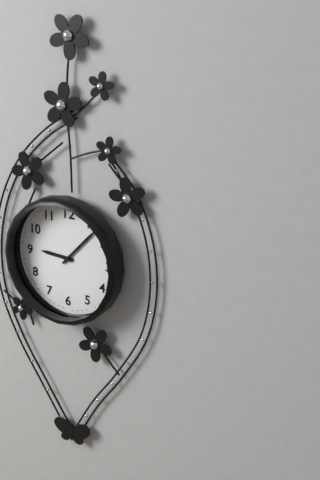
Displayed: **9:07**
